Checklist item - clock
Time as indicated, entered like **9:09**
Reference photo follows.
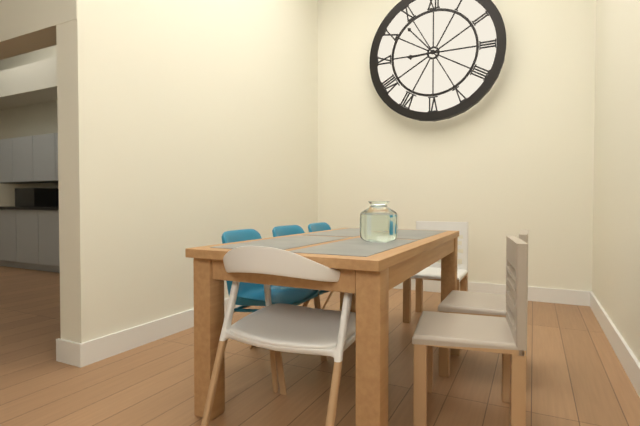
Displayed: **8:53**
